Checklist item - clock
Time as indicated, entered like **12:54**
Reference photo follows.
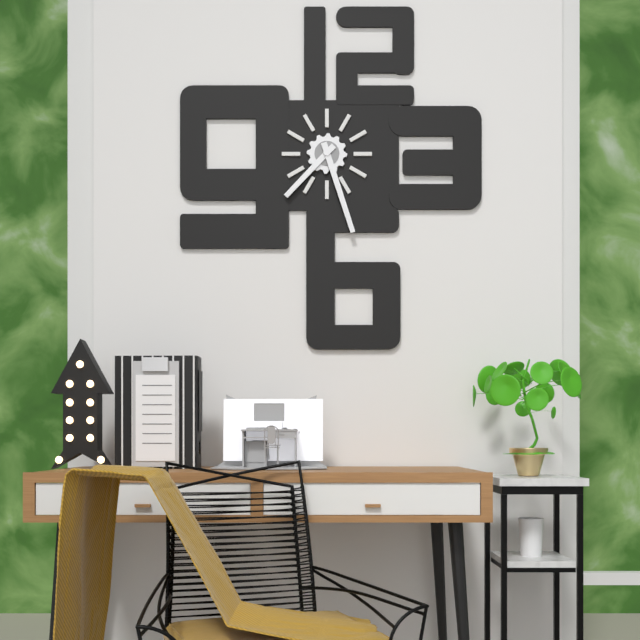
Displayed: **7:27**
